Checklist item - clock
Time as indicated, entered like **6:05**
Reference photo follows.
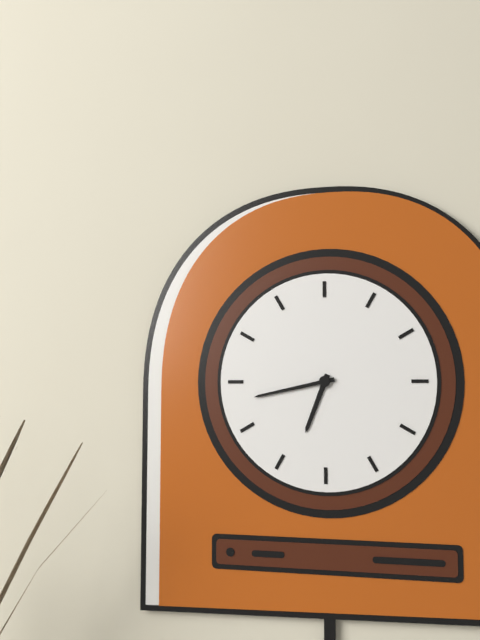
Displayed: **6:43**
